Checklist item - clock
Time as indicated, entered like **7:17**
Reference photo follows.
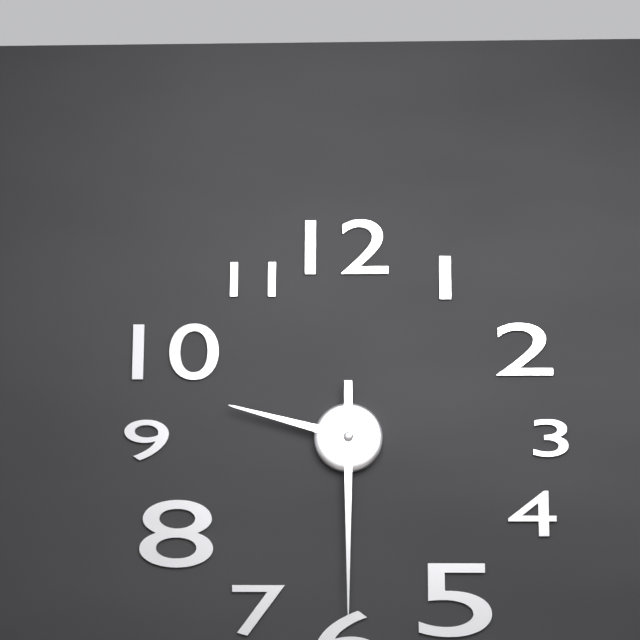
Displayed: **9:30**
